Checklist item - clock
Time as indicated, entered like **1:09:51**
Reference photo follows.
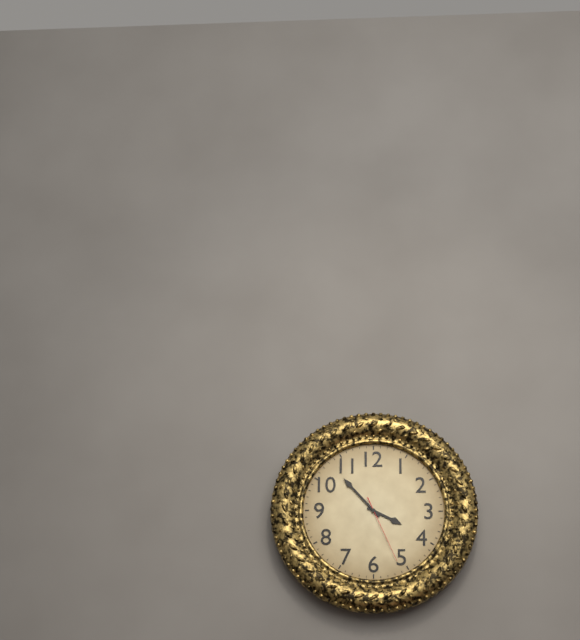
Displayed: **3:53:26**
